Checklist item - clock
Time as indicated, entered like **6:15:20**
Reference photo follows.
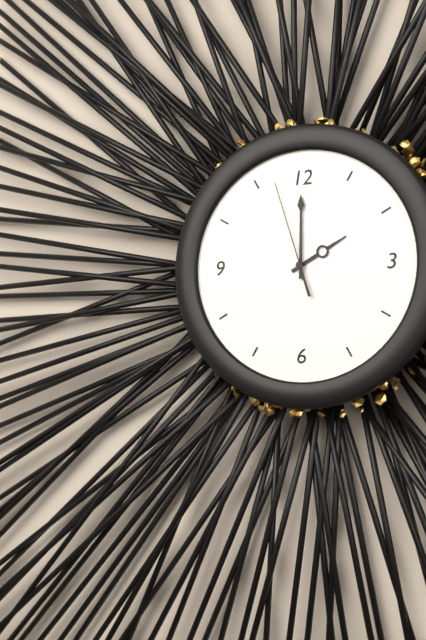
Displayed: **2:00:57**
